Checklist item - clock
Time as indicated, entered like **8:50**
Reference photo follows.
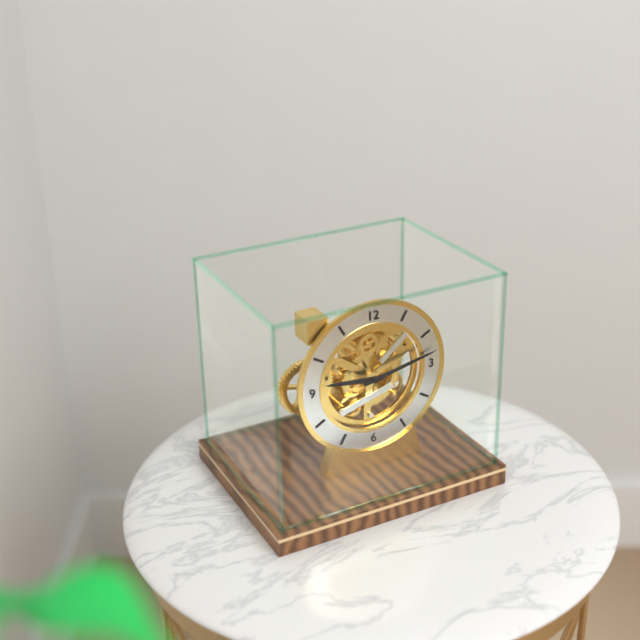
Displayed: **9:13**
